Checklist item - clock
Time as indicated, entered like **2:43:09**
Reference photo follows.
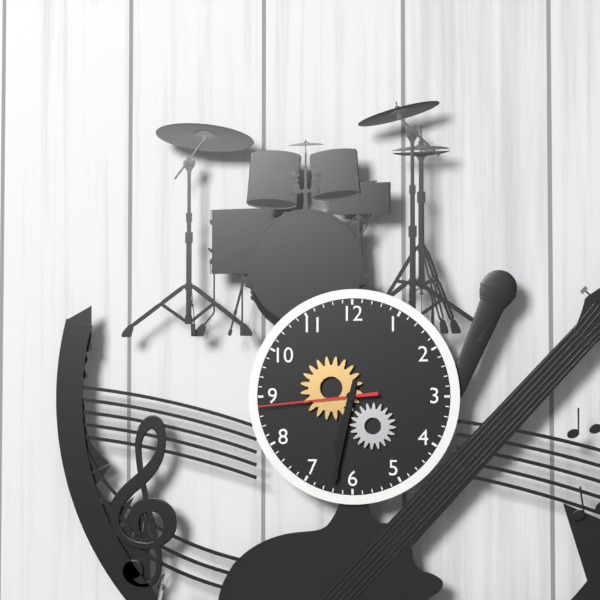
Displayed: **6:32:44**
